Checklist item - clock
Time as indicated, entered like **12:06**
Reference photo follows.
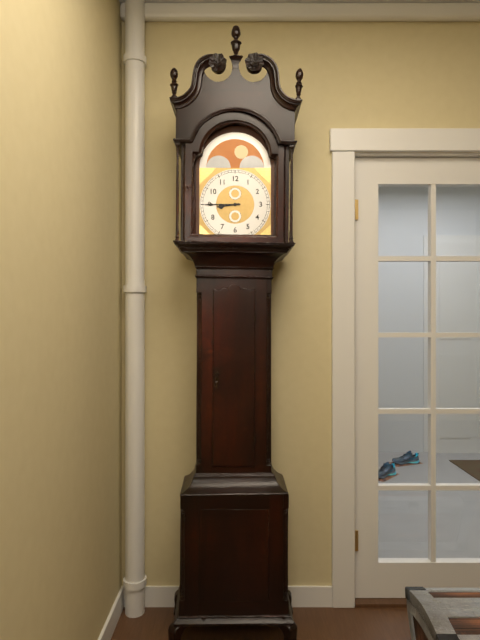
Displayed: **8:45**
